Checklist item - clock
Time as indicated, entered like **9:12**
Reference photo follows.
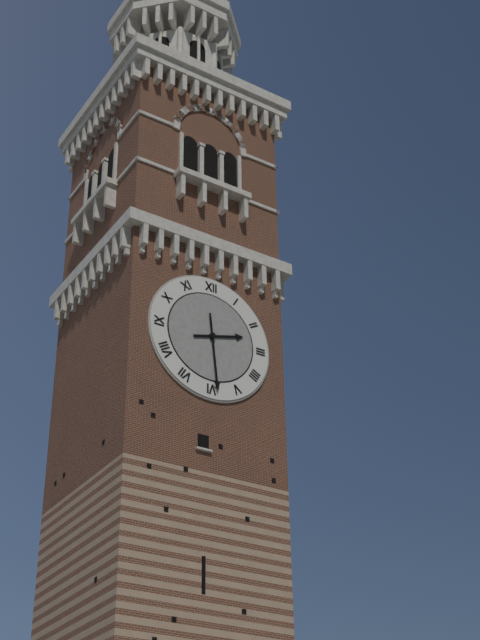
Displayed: **2:29**
